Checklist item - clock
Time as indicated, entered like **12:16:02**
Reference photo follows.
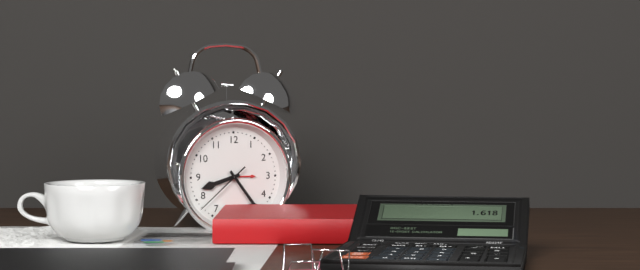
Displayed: **8:24:38**
